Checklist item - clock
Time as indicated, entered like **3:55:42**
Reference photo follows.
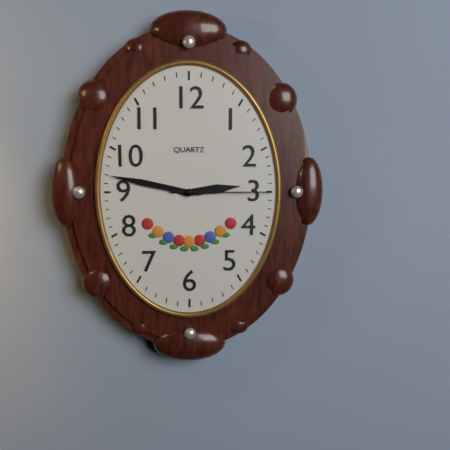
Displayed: **2:47:15**
